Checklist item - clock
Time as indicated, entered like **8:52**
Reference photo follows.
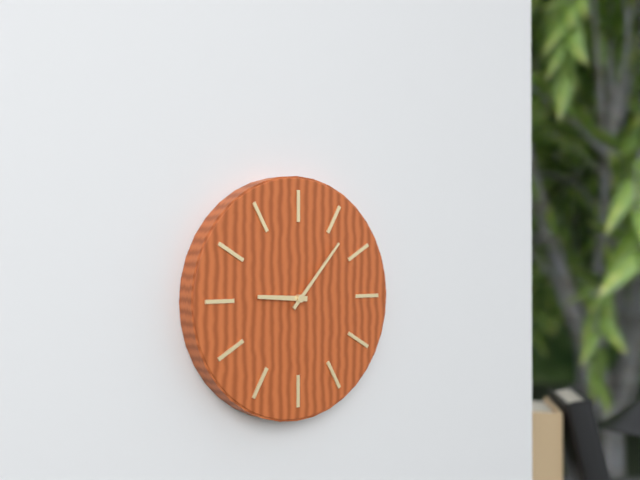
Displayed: **9:07**
